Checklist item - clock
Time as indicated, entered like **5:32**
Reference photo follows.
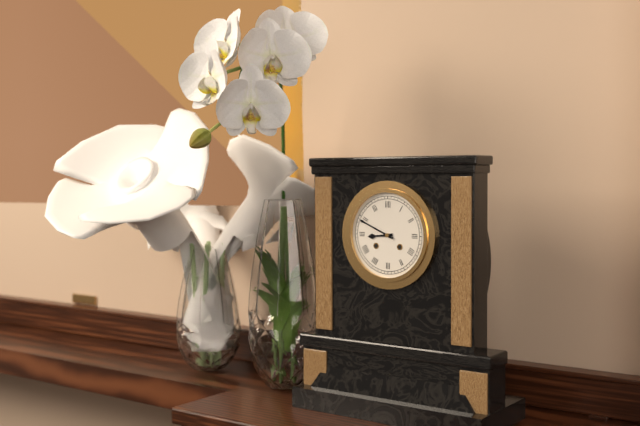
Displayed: **8:49**
